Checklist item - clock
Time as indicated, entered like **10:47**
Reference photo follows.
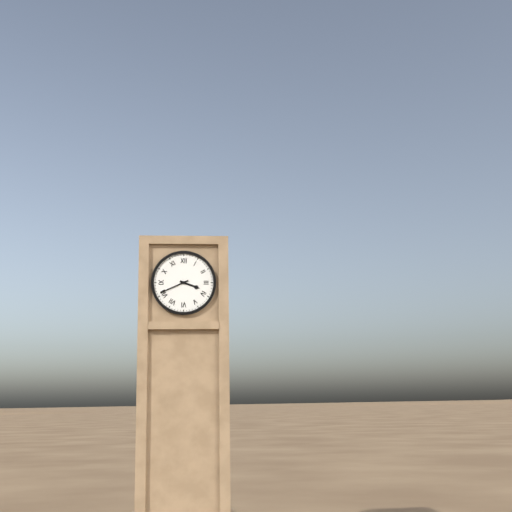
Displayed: **3:41**
